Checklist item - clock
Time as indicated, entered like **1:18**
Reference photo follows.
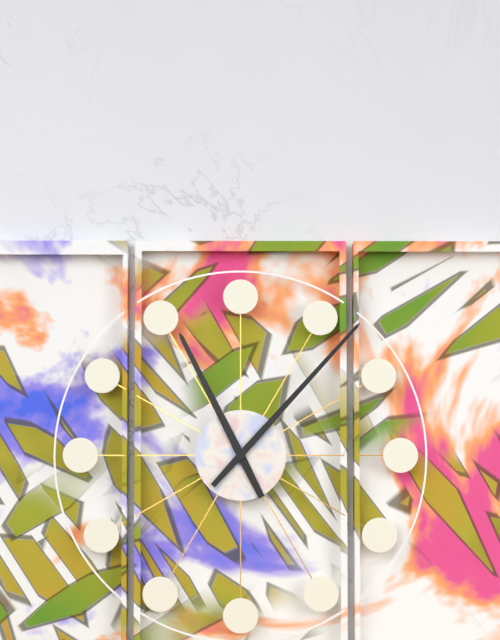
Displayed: **11:07**
